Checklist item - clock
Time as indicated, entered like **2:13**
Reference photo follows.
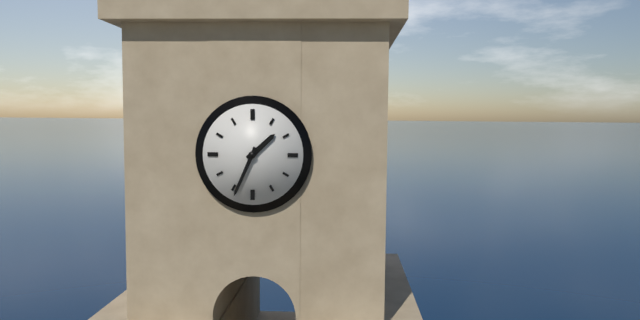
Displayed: **1:34**
